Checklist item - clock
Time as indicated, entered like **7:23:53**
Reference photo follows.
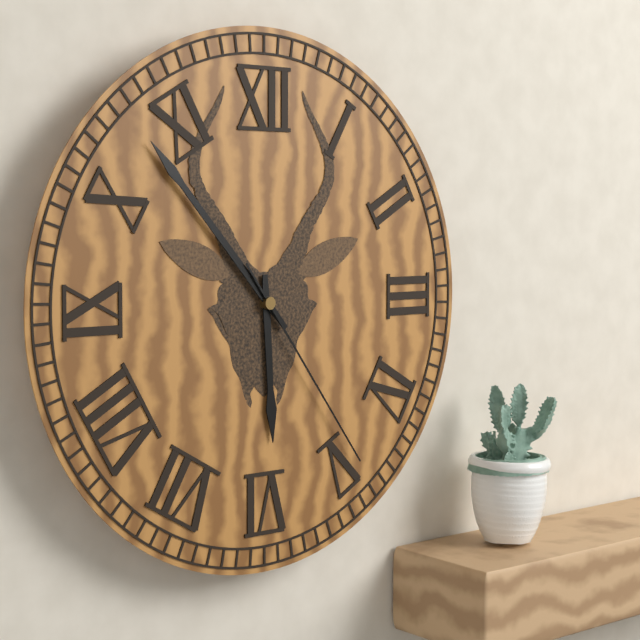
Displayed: **5:53:24**
